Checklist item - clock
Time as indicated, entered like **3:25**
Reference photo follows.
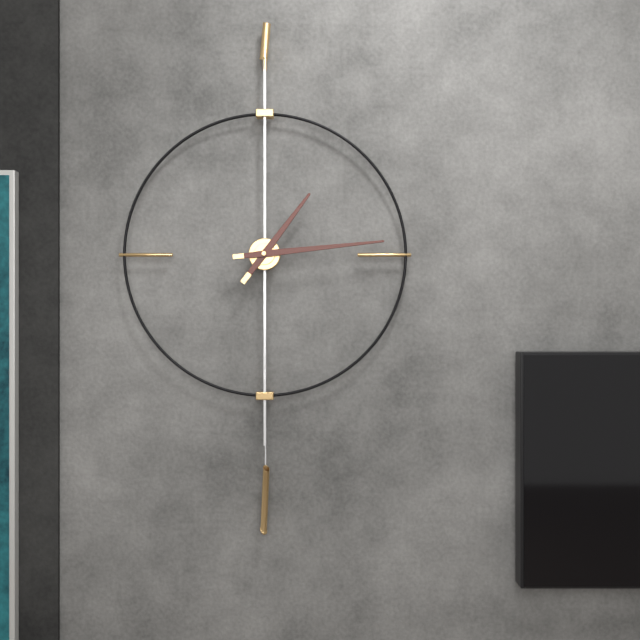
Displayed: **1:14**
